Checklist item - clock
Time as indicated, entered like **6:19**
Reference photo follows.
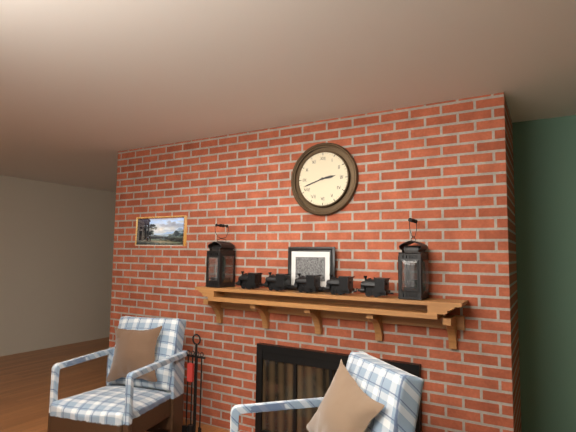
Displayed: **2:42**
